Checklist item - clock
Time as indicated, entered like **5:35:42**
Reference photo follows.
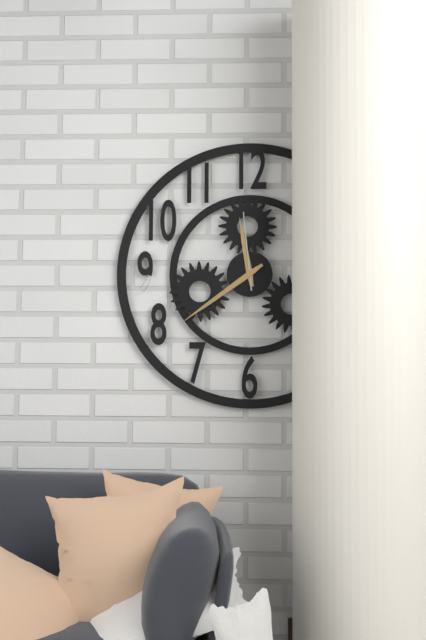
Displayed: **11:39:59**
